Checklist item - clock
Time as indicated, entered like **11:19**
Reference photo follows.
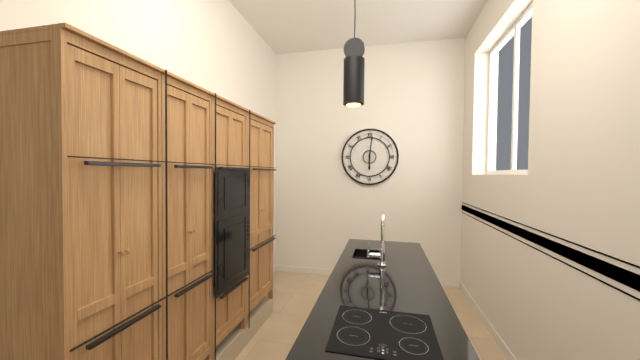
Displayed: **6:01**
